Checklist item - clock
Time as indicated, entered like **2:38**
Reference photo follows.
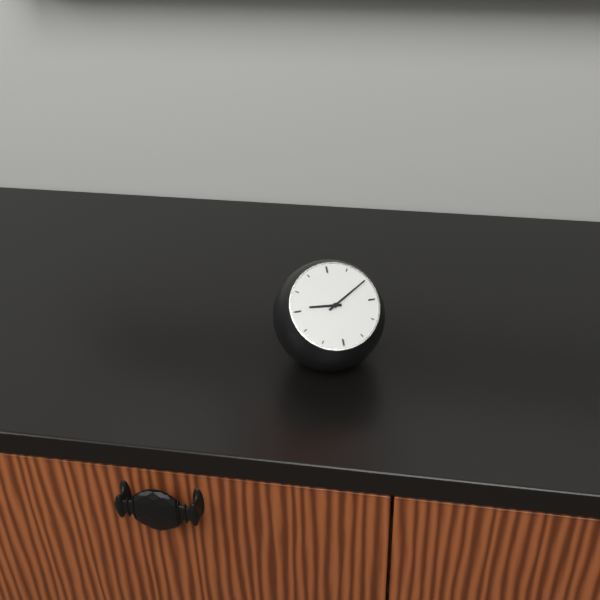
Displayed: **9:10**
